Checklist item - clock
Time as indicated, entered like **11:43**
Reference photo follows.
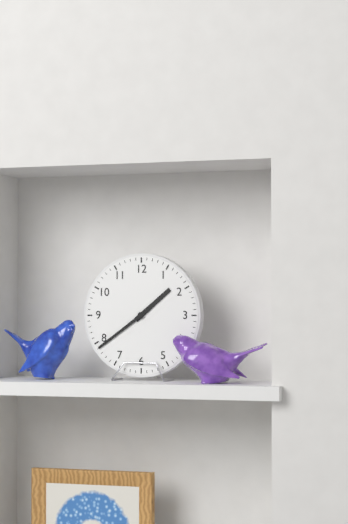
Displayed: **1:39**
